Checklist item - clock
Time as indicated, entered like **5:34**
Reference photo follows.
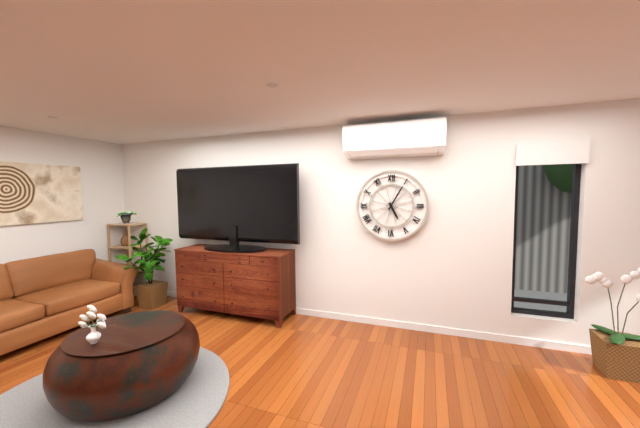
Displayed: **5:05**
